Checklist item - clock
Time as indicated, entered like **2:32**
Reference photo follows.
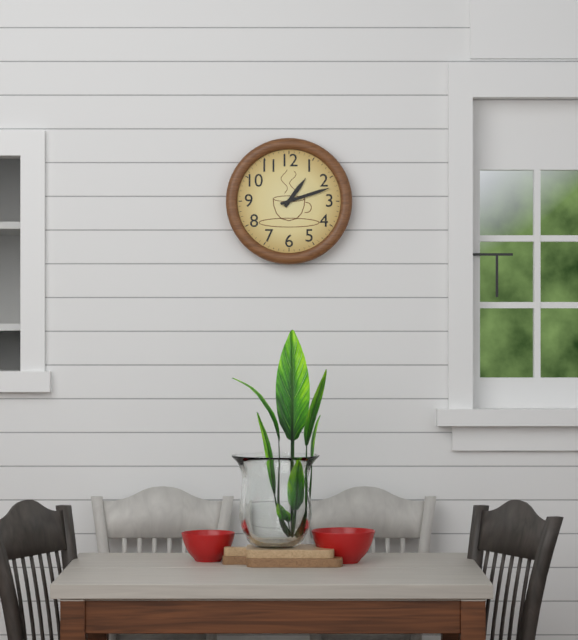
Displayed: **1:12**
